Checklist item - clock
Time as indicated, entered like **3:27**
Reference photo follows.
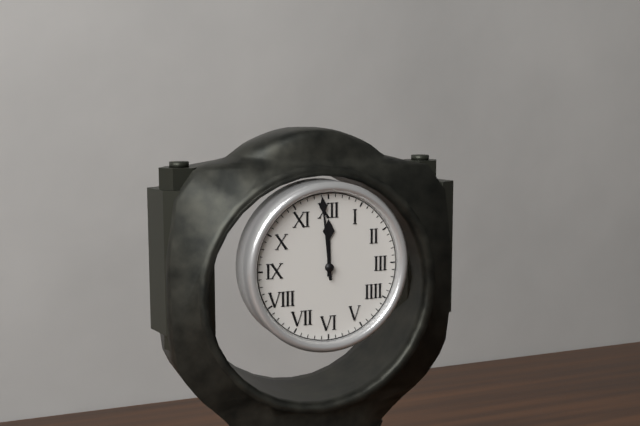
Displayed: **11:59**
